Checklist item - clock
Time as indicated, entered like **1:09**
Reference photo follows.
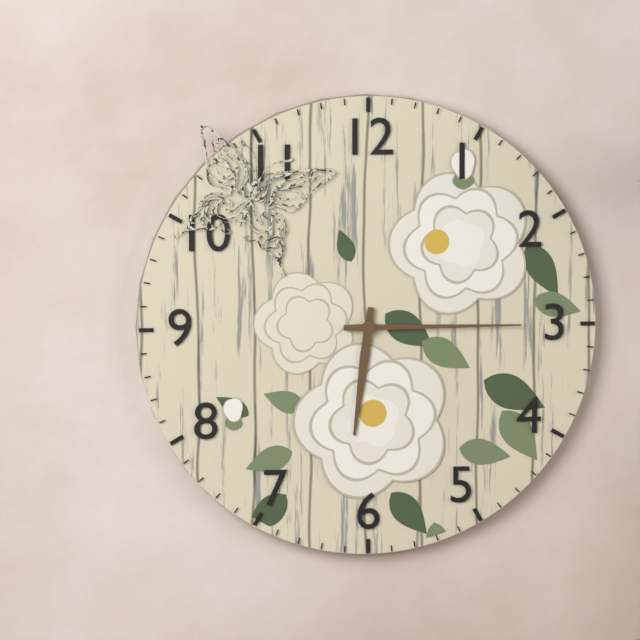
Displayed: **6:15**
